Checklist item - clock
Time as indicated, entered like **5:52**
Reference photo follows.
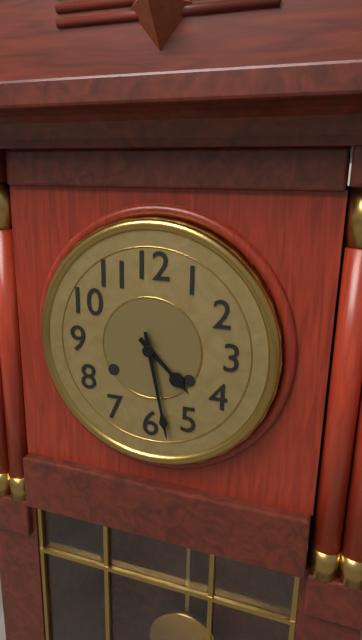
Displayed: **4:28**
